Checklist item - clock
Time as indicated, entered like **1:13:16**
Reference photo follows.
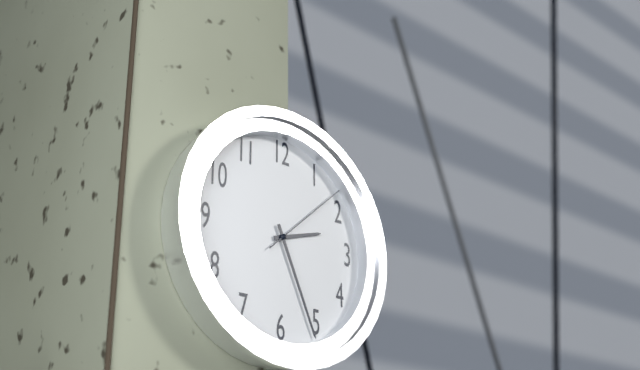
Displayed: **2:26:08**
